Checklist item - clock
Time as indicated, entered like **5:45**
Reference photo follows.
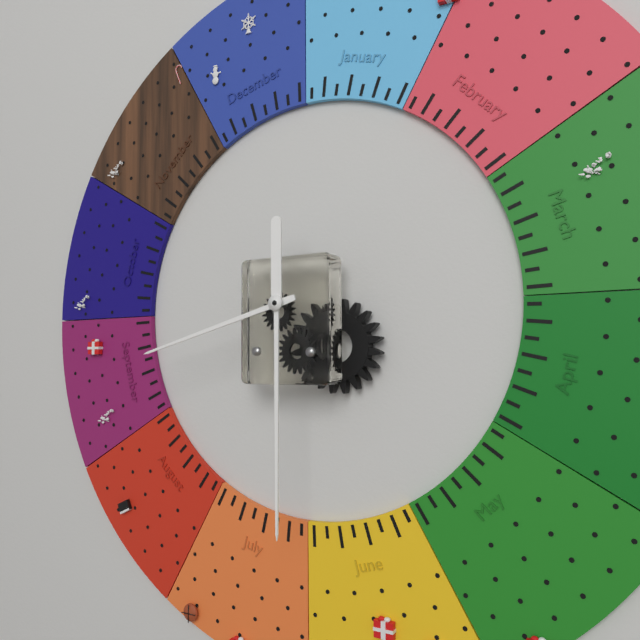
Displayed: **8:30**
